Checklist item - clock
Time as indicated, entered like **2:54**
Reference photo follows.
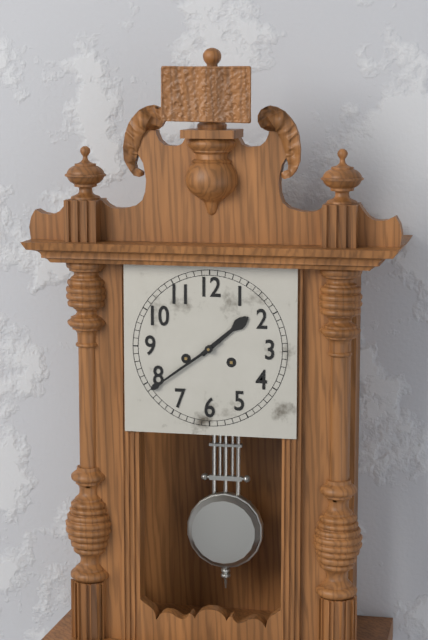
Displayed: **1:39**
